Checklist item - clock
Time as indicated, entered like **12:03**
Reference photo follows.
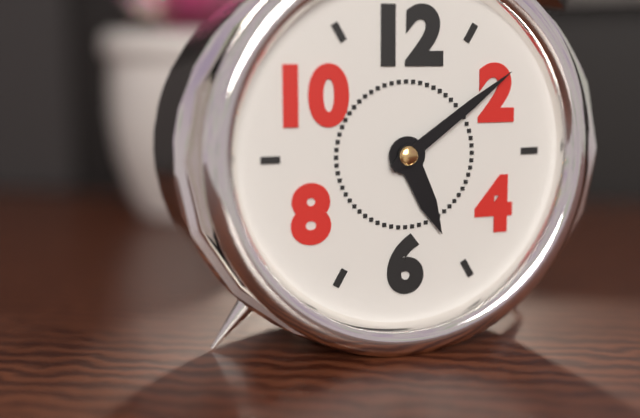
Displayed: **5:09**
